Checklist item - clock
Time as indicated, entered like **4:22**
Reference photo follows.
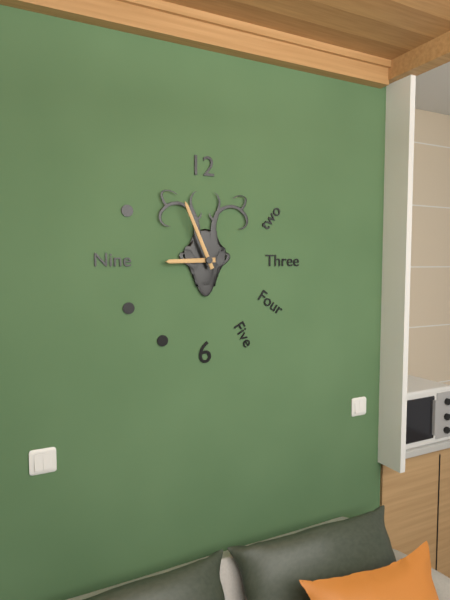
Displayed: **8:56**
